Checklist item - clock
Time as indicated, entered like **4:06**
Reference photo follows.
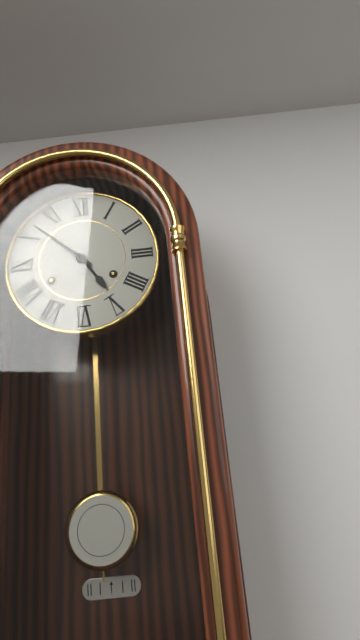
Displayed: **4:52**
